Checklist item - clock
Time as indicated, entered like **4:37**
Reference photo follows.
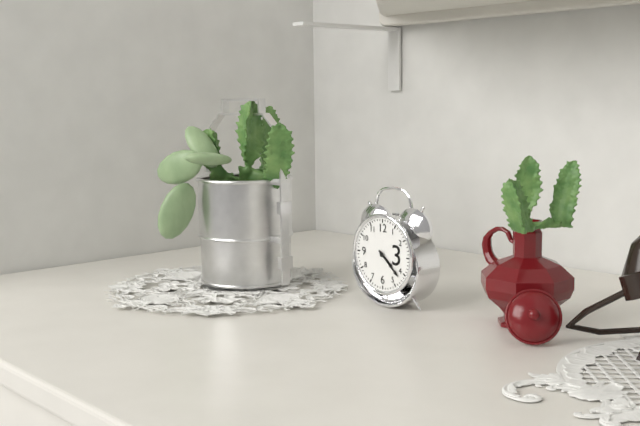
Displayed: **4:22**
